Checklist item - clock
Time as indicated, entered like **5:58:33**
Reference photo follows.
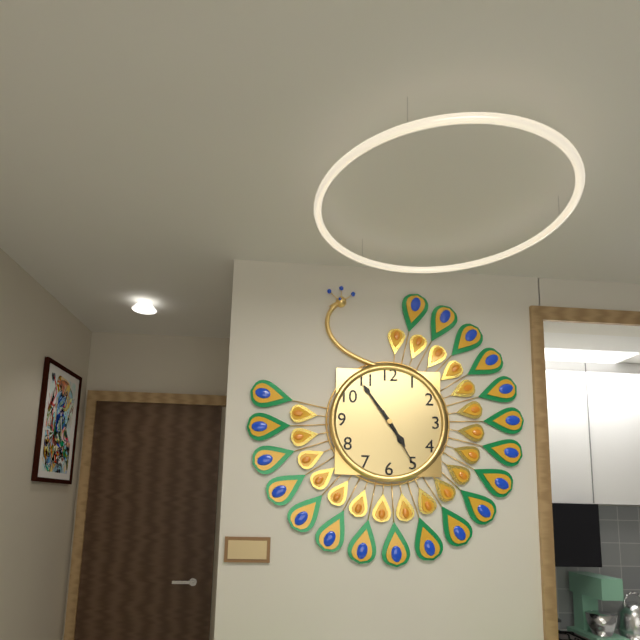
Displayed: **4:54:25**
